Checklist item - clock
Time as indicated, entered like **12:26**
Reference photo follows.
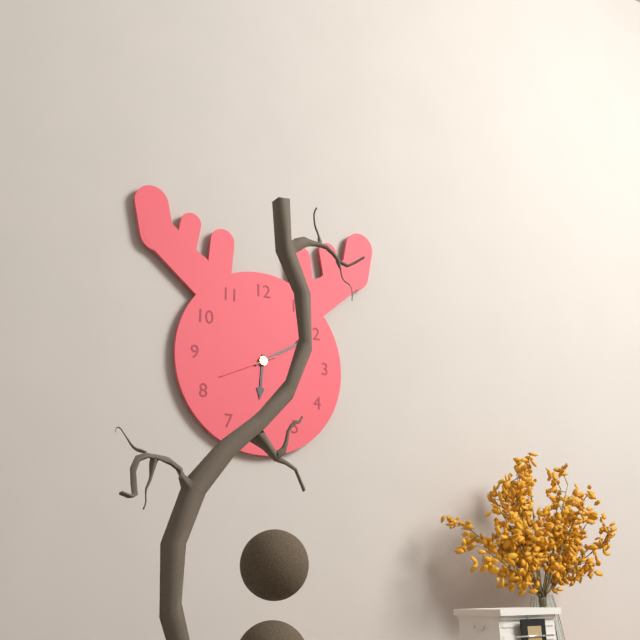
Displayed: **6:10**
